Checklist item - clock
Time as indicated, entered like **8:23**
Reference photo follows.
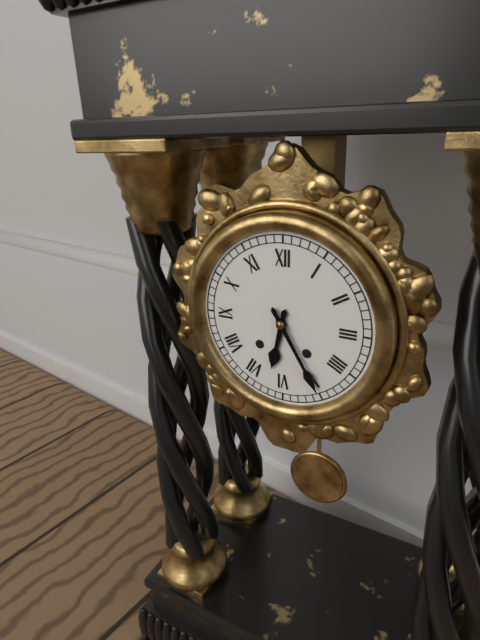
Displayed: **6:25**
